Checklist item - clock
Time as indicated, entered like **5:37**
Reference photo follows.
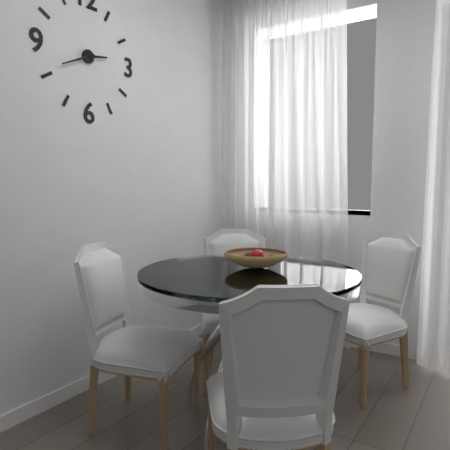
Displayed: **2:41**
